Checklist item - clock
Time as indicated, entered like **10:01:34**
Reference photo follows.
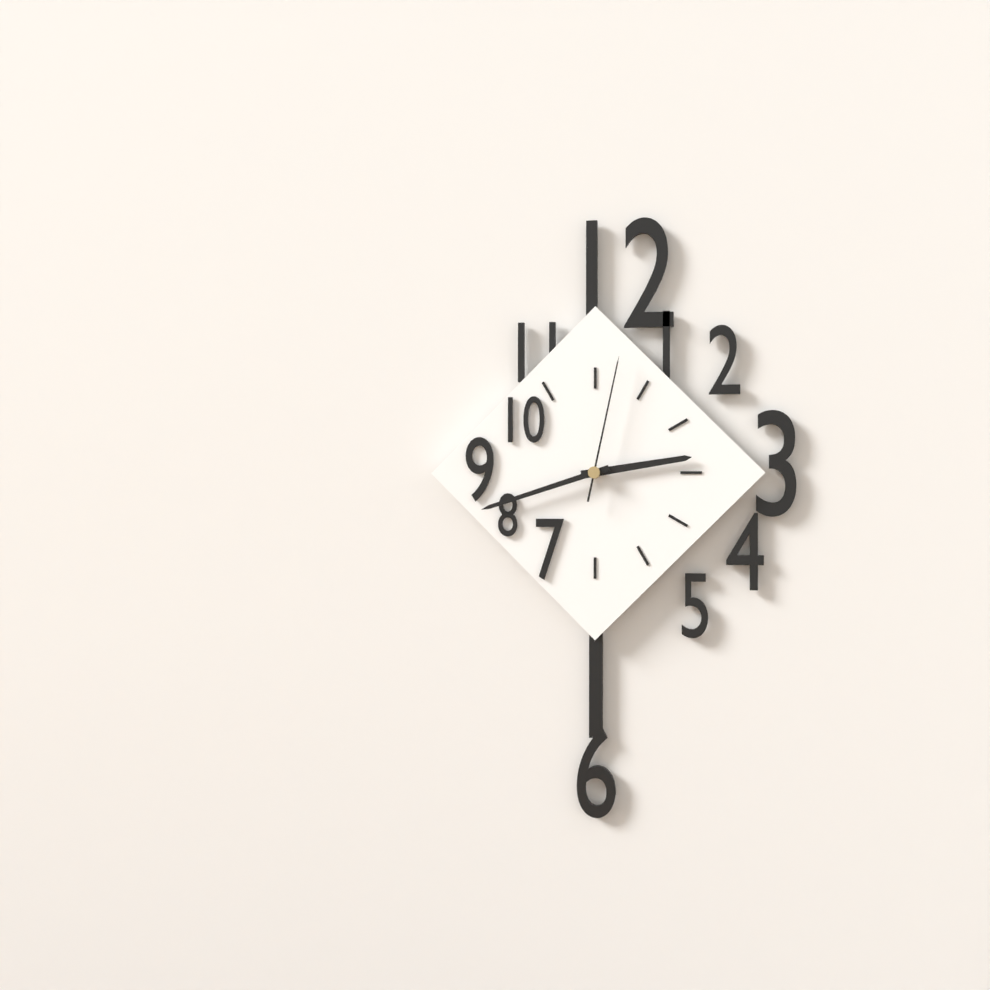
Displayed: **2:42:02**
